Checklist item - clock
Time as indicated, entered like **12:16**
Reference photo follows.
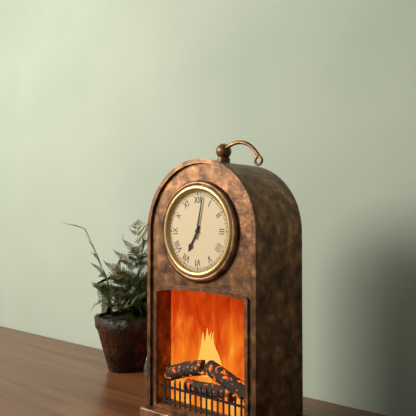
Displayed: **7:02**
